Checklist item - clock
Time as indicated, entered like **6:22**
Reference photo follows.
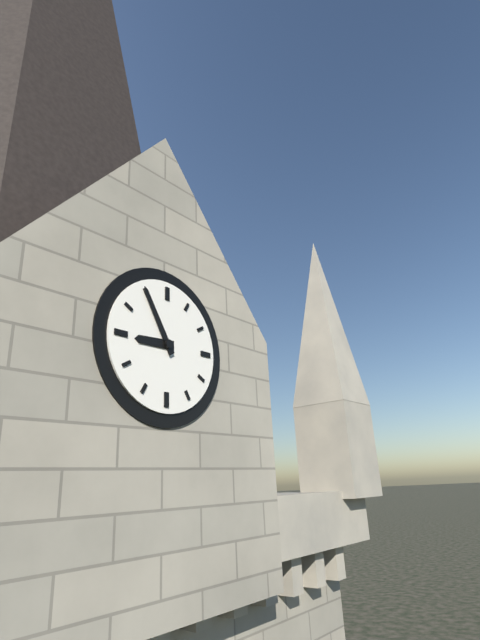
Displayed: **8:55**
